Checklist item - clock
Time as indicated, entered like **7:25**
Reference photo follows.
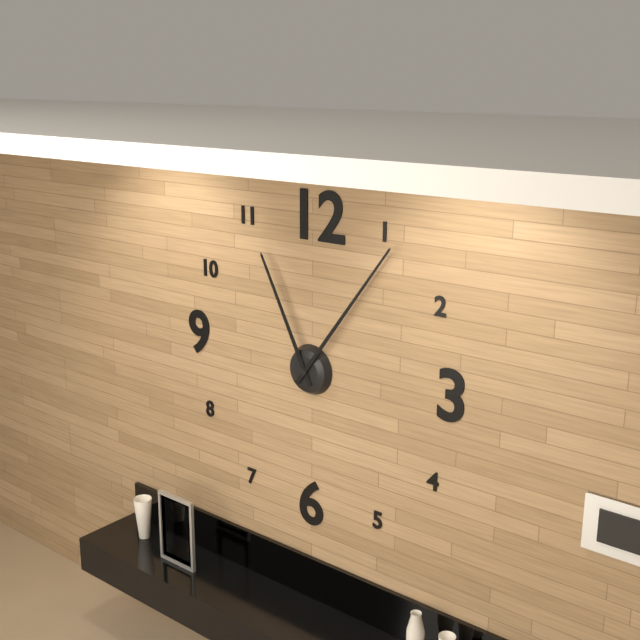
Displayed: **11:06**
